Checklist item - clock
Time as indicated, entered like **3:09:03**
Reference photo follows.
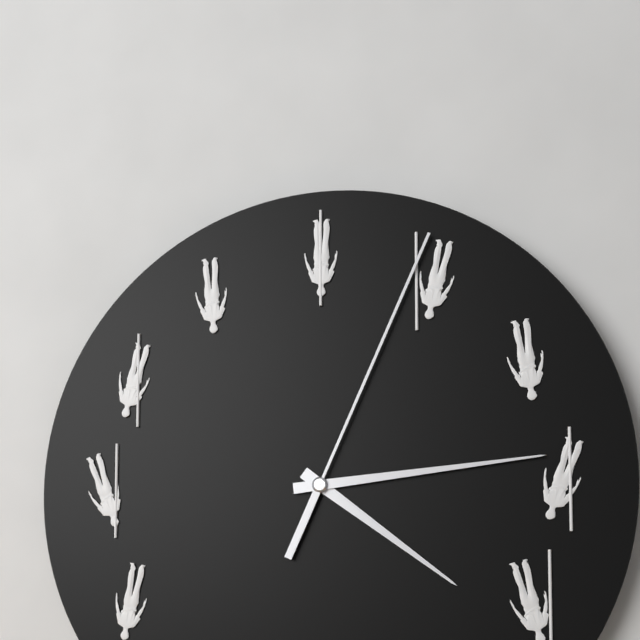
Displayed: **4:14:04**
